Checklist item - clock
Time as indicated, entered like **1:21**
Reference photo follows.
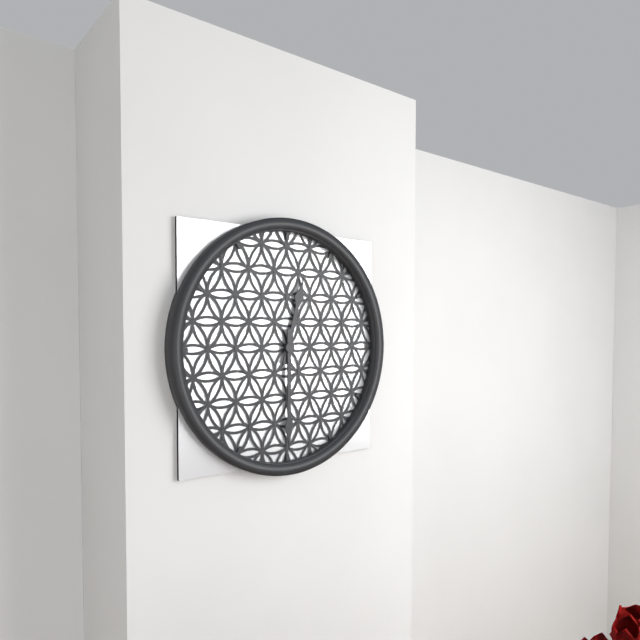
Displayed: **12:30**
